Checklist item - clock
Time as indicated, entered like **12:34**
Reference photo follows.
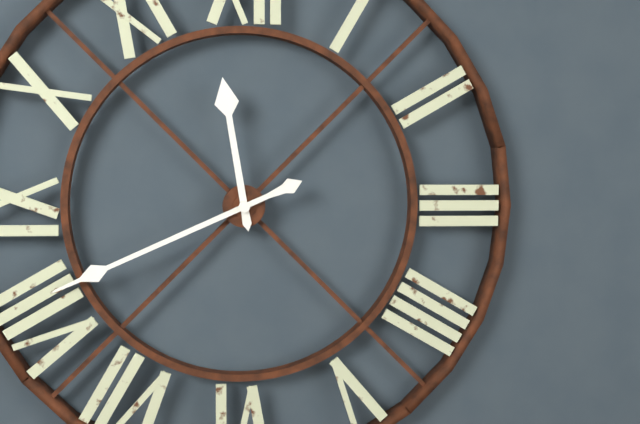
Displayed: **11:41**
